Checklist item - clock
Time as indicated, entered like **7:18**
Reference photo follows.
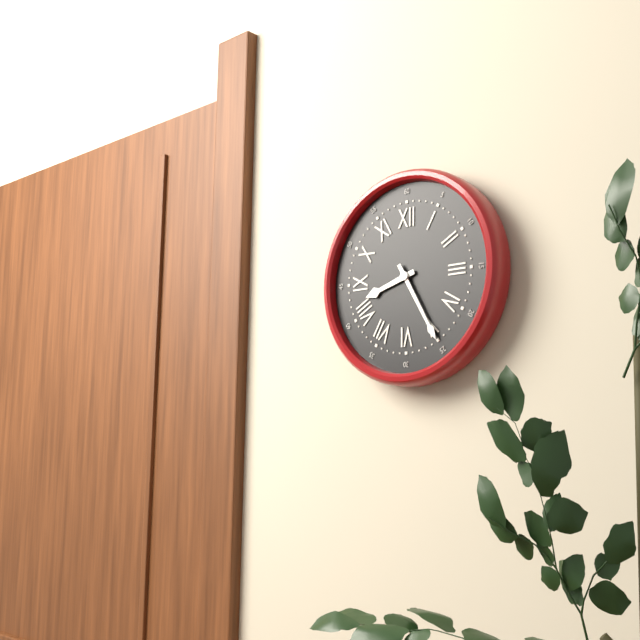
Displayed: **8:25**
